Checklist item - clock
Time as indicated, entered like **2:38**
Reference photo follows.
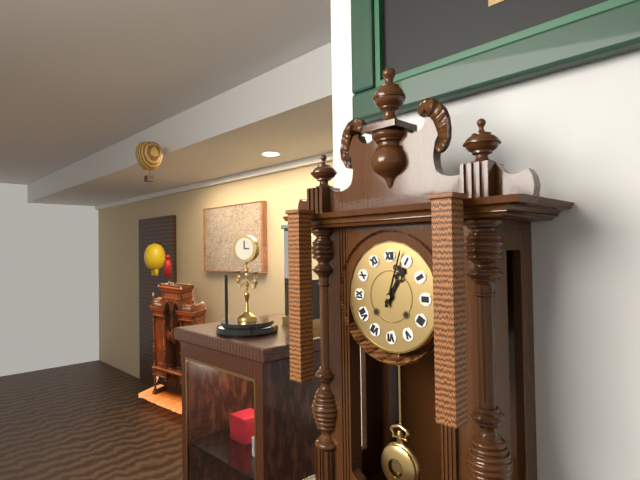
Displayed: **1:03**
